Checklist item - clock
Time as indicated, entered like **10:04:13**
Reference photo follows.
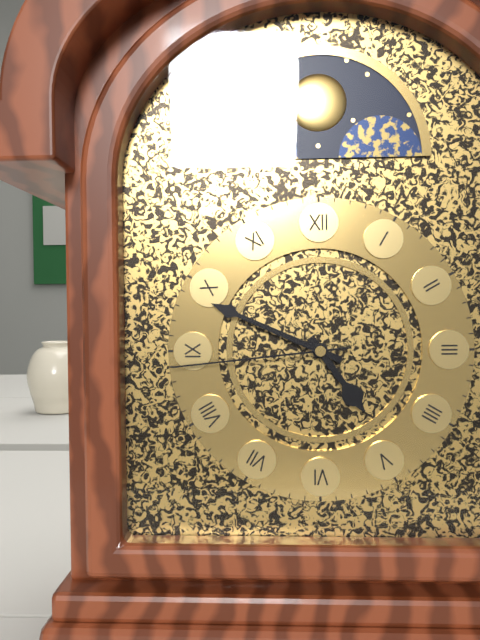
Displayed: **4:49:44**
